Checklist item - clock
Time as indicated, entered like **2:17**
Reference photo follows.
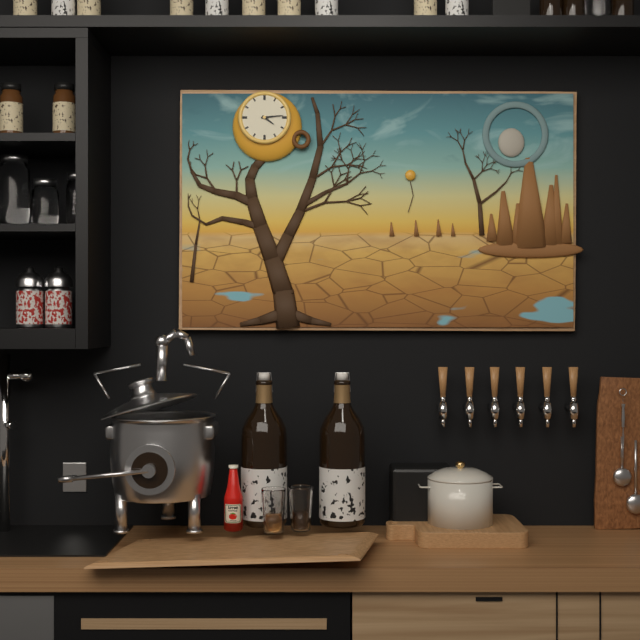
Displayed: **4:14**
